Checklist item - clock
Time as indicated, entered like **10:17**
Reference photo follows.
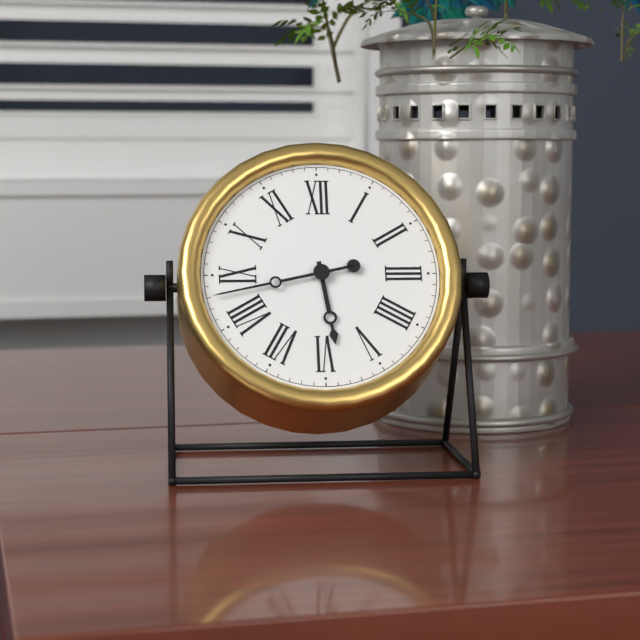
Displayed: **5:43**
